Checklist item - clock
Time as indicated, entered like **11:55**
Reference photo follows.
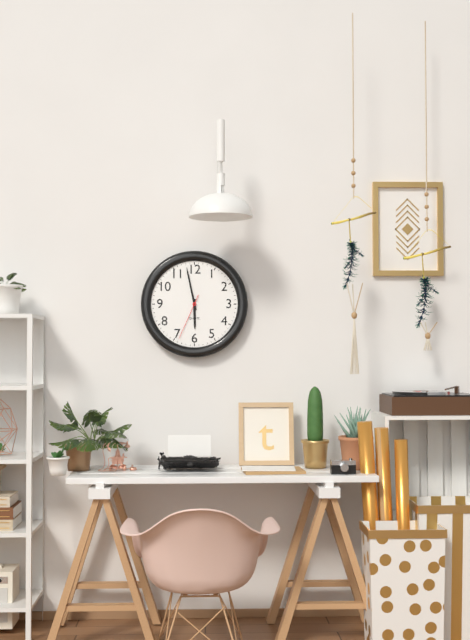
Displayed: **5:58**
